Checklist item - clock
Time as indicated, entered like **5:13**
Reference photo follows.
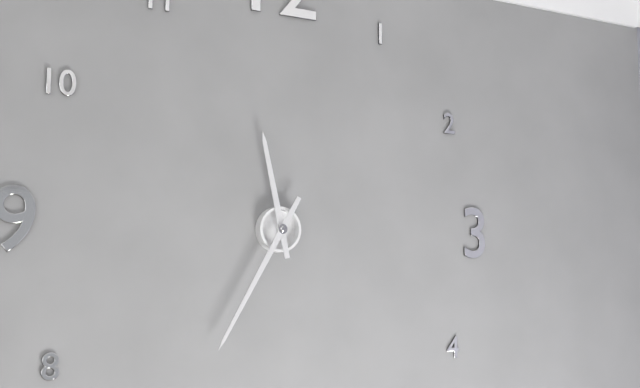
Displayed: **11:35**
